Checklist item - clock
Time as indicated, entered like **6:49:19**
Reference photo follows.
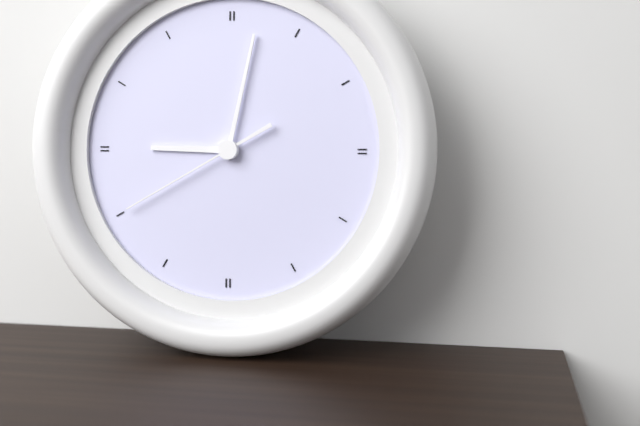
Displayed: **9:02:40**
